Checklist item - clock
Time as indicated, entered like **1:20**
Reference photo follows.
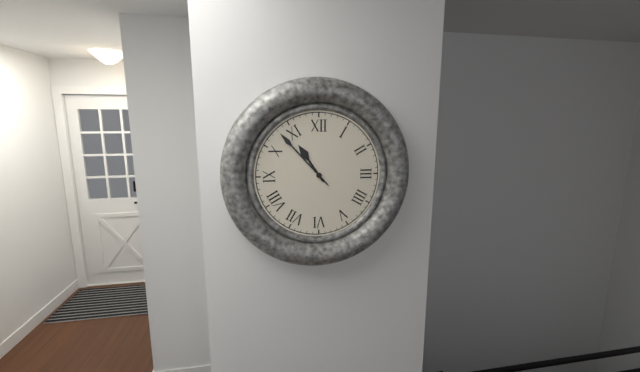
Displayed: **10:53**
